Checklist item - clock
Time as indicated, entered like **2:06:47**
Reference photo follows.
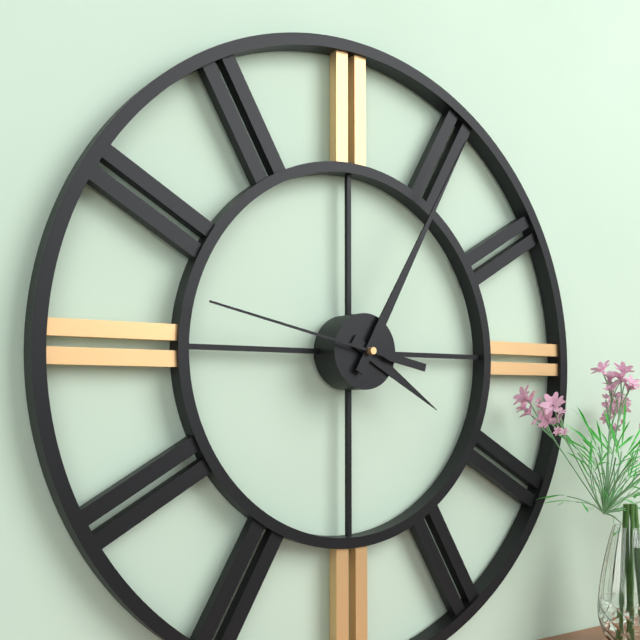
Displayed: **4:05:47**
